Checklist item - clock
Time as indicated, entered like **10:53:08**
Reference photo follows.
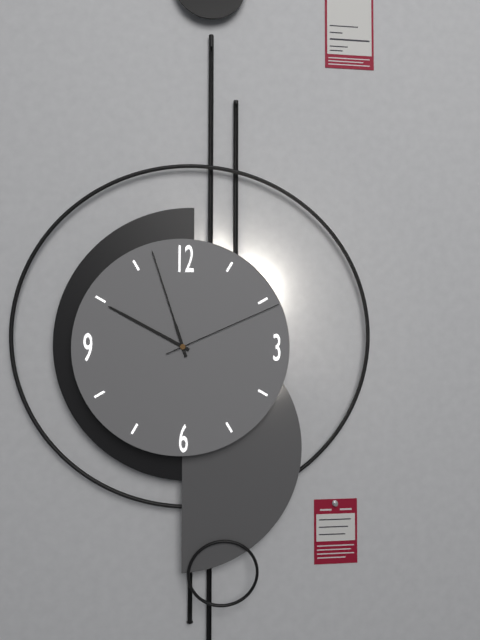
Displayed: **9:57:11**
